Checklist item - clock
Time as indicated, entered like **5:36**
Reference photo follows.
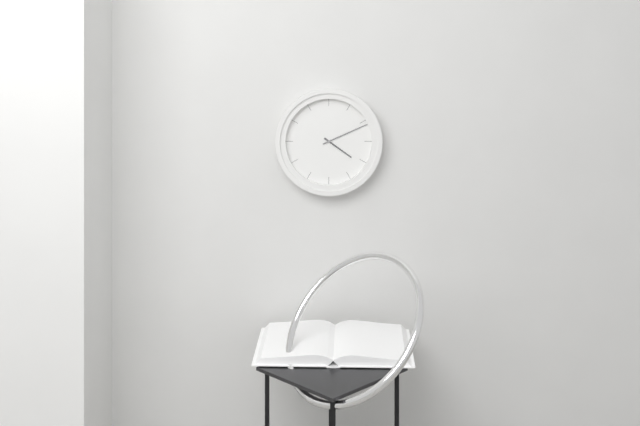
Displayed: **4:11**
